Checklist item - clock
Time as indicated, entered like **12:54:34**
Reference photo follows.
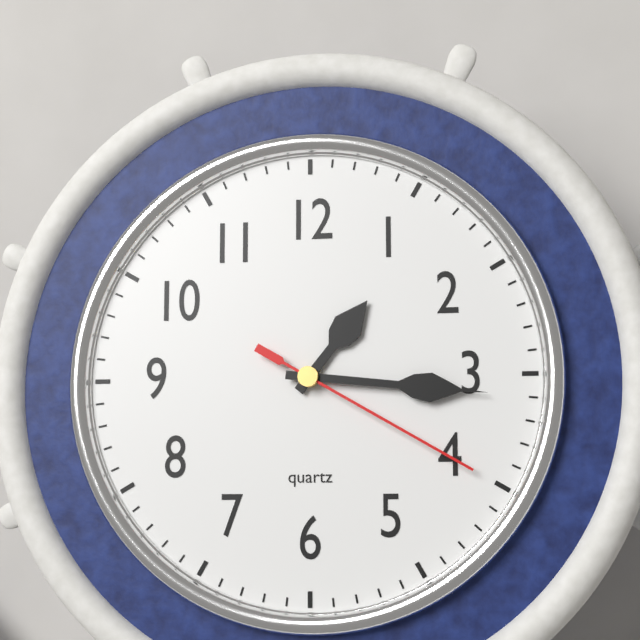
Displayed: **1:16:20**
